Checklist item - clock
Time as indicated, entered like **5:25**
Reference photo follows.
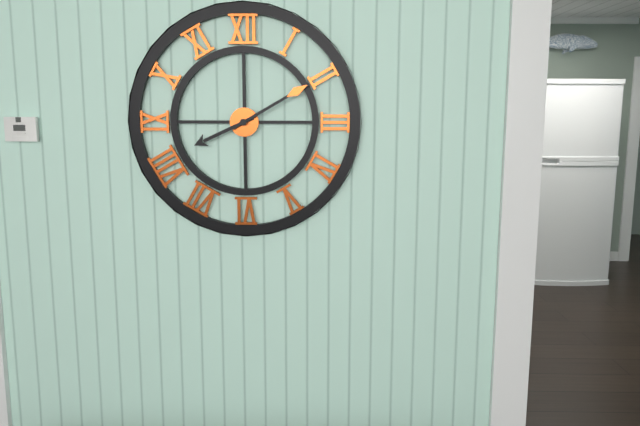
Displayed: **8:10**
